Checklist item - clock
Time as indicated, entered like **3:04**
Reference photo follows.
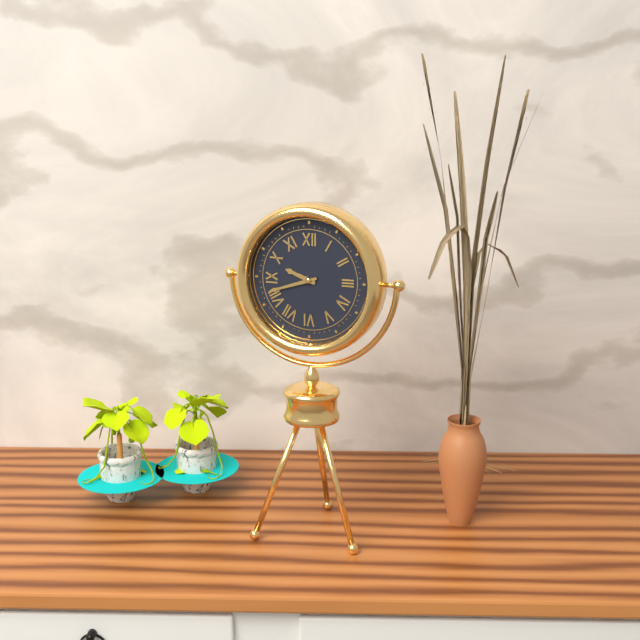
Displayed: **9:42**
